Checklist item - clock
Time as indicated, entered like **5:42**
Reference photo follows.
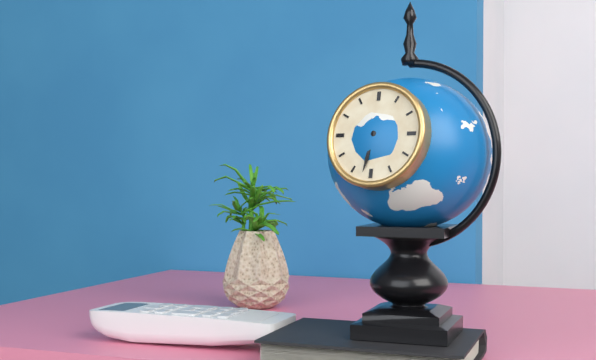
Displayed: **6:32**
